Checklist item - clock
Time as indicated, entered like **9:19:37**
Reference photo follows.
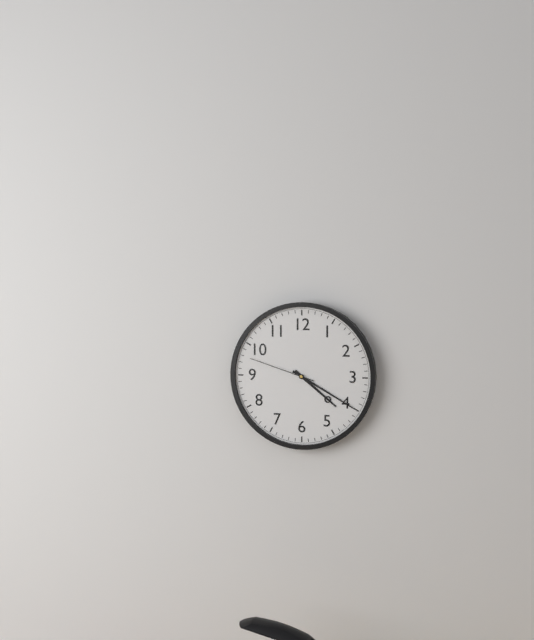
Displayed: **4:20:48**
